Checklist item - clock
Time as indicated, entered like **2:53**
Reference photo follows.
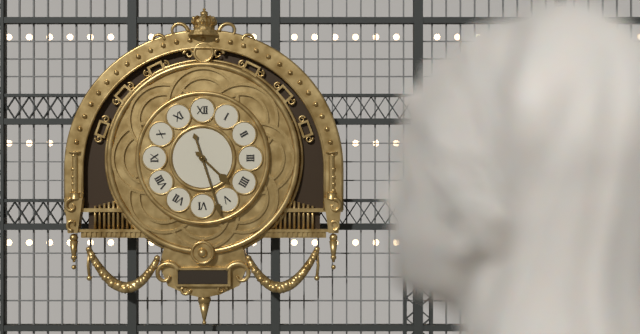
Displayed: **4:27**
